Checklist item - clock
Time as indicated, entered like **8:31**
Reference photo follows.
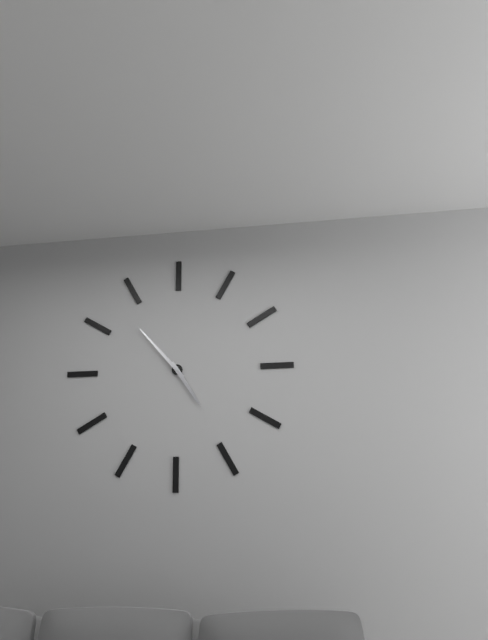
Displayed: **4:53**
